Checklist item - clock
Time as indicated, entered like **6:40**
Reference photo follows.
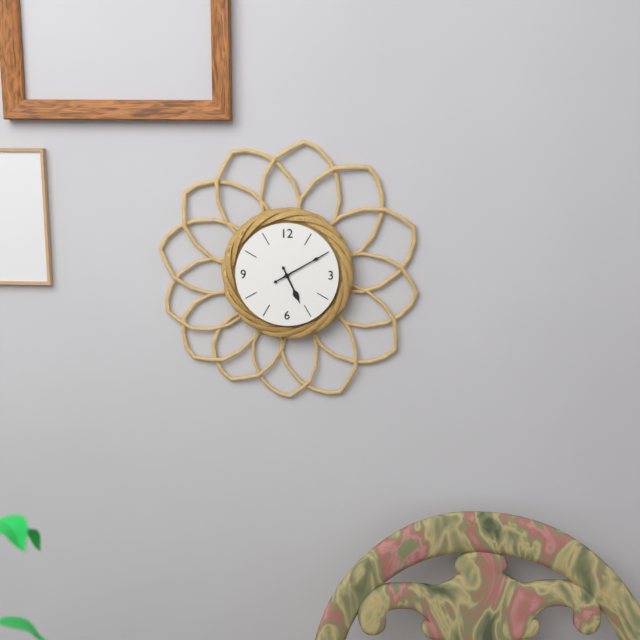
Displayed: **5:10**
